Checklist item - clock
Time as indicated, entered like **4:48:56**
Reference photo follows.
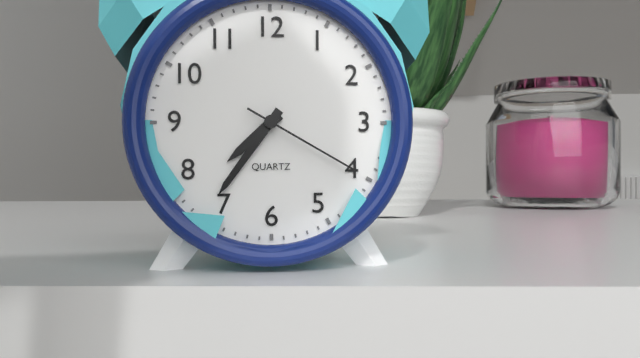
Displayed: **7:36:20**
